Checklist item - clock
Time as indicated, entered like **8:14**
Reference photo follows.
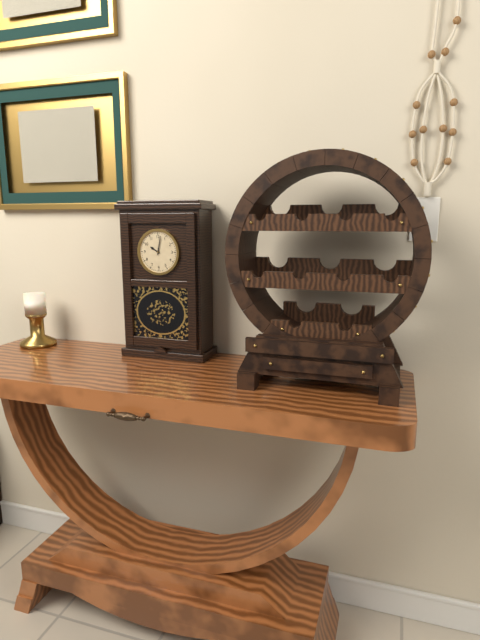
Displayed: **10:02**
